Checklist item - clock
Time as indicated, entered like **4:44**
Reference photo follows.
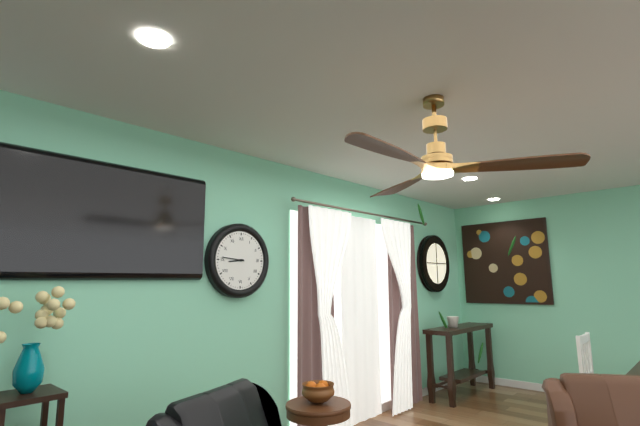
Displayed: **8:46**
